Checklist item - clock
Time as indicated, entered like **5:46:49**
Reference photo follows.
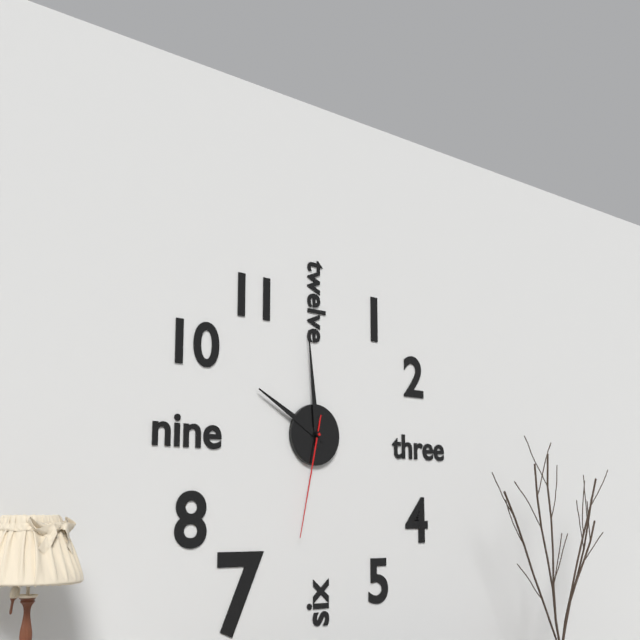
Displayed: **9:59:32**
